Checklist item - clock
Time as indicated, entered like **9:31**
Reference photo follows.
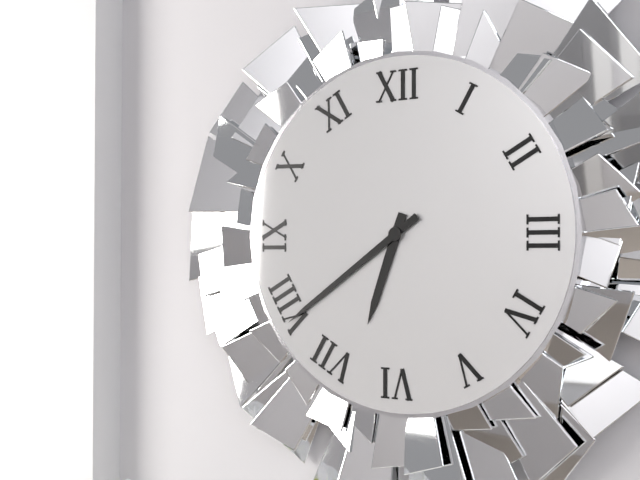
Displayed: **6:39**
